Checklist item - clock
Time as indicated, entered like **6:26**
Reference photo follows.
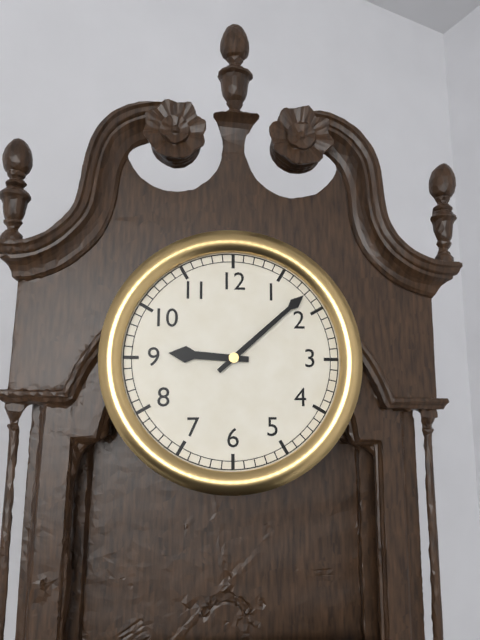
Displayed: **9:08**
